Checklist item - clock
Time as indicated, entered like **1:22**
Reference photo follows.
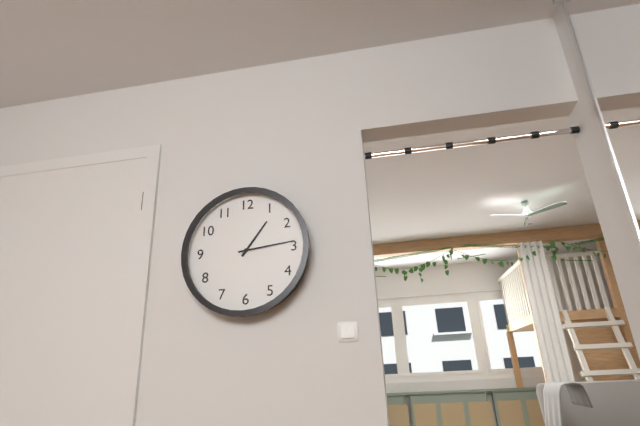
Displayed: **1:14**
